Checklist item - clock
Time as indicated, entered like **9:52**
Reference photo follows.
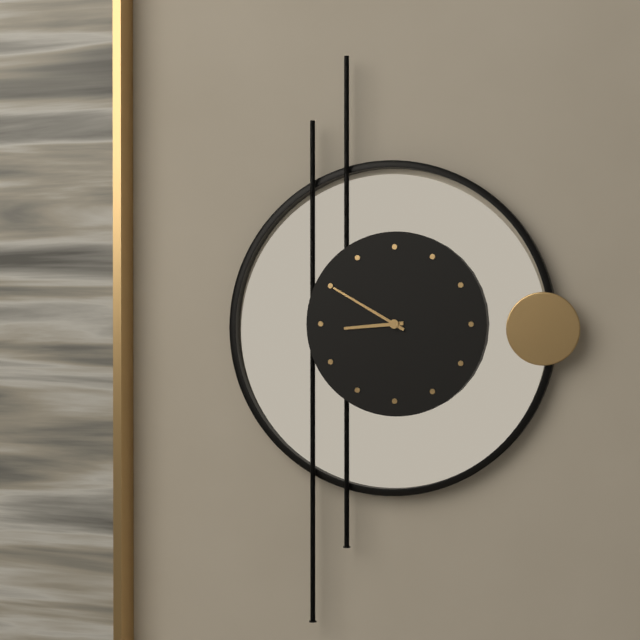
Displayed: **8:50**
